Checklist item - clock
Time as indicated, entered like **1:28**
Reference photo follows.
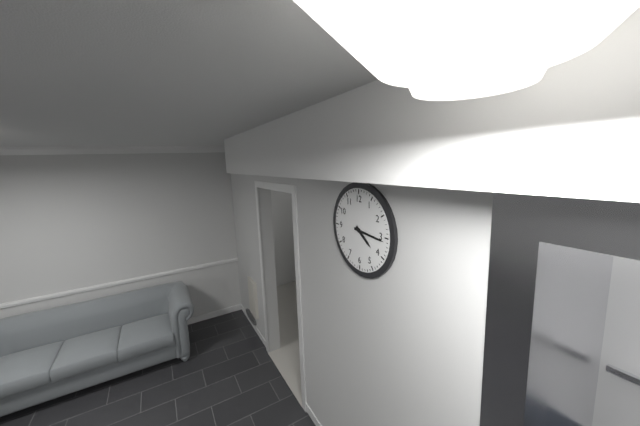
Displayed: **4:16**
